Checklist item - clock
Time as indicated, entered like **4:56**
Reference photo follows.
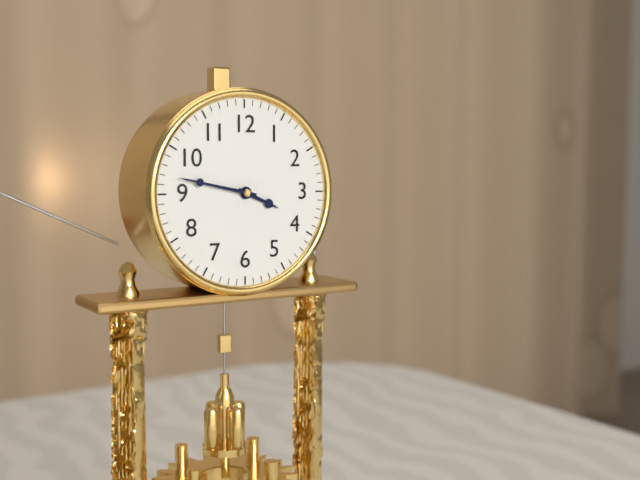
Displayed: **3:47**
